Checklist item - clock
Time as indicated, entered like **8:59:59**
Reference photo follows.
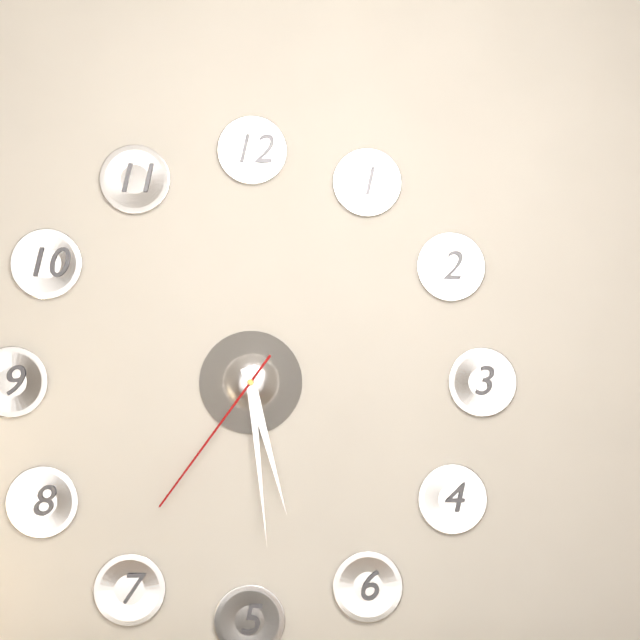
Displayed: **5:29:36**
